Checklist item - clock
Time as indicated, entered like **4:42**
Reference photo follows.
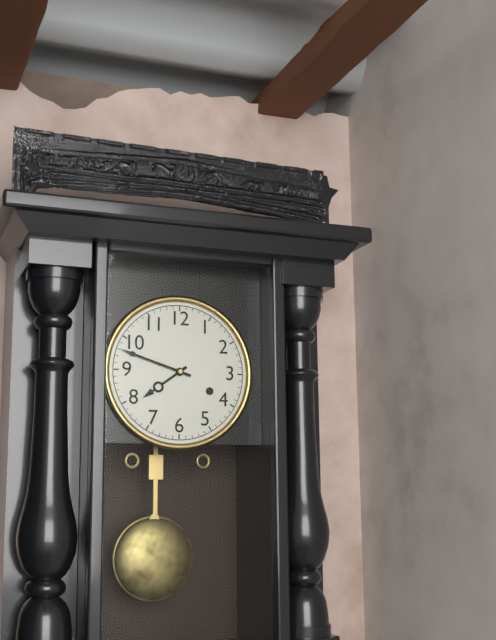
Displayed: **7:48**
